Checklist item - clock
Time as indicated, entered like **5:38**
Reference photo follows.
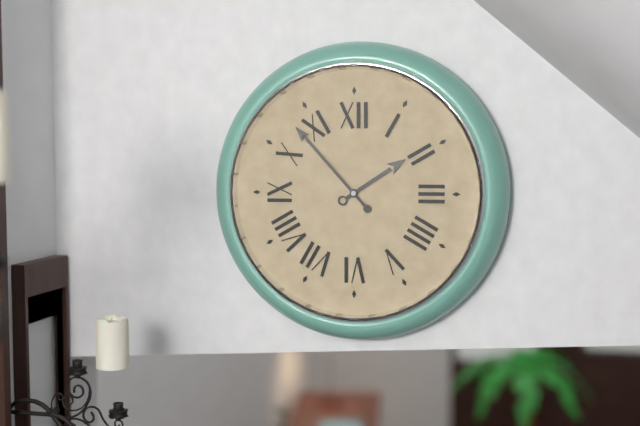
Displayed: **1:53**
